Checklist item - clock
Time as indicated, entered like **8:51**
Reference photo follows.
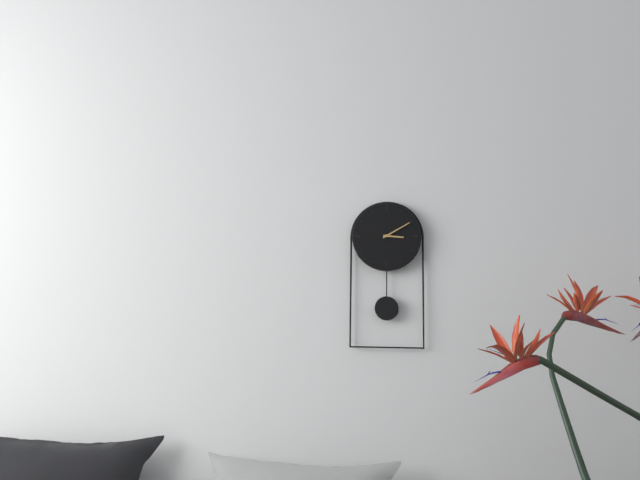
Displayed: **3:10**
